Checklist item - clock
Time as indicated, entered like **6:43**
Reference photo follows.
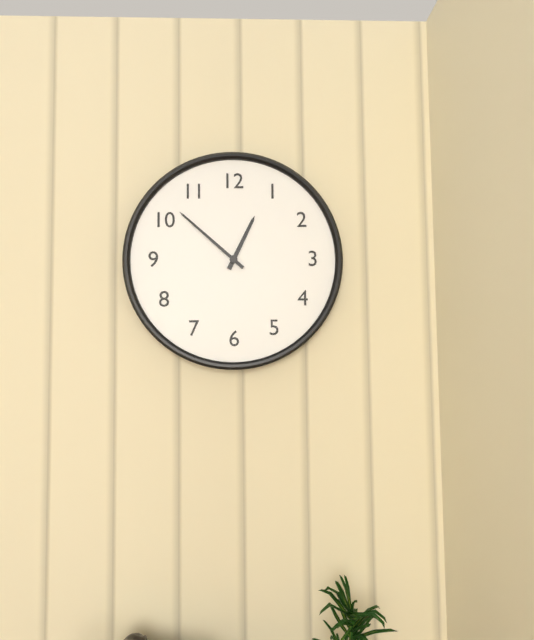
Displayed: **12:52**
